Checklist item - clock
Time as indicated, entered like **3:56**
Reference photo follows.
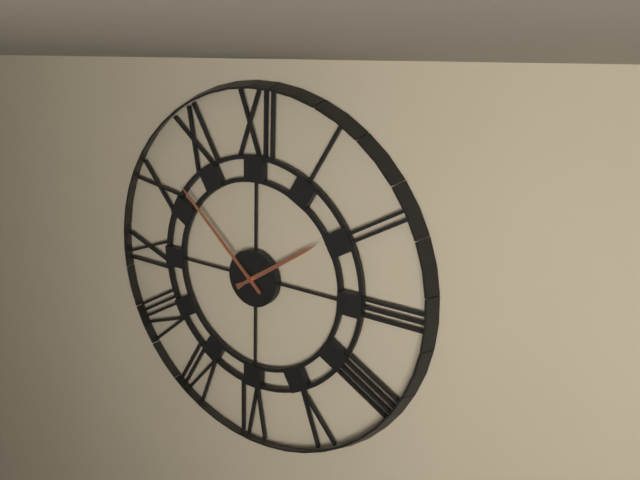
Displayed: **1:52**
